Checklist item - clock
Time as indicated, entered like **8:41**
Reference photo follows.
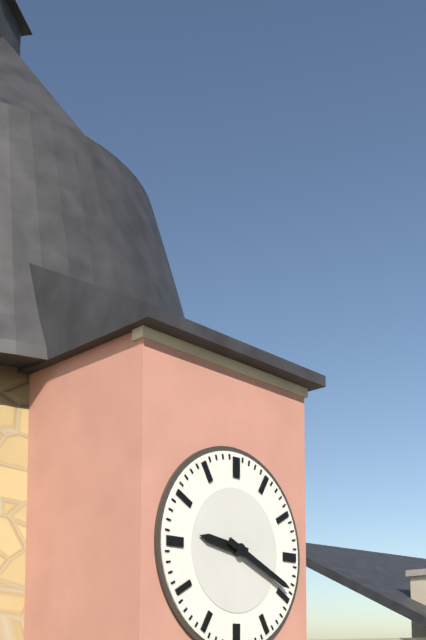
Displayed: **9:19**
